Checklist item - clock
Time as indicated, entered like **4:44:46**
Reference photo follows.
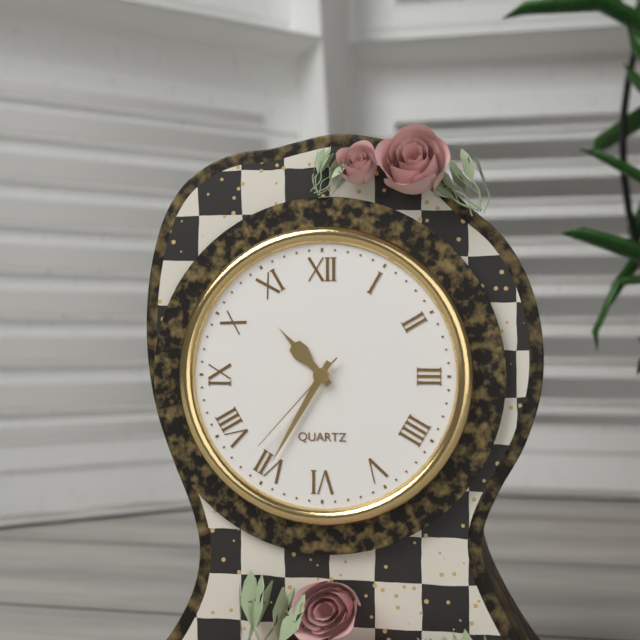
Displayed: **10:35:37**
